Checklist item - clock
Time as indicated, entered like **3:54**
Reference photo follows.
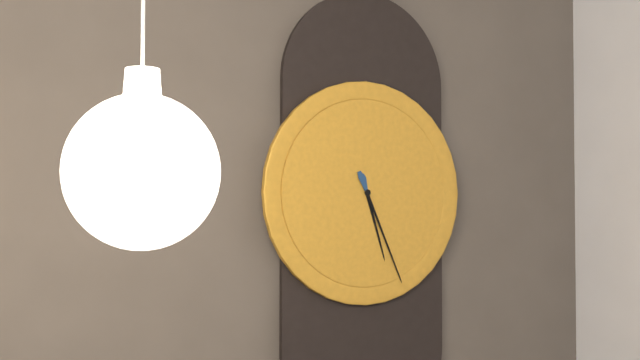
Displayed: **5:26**
